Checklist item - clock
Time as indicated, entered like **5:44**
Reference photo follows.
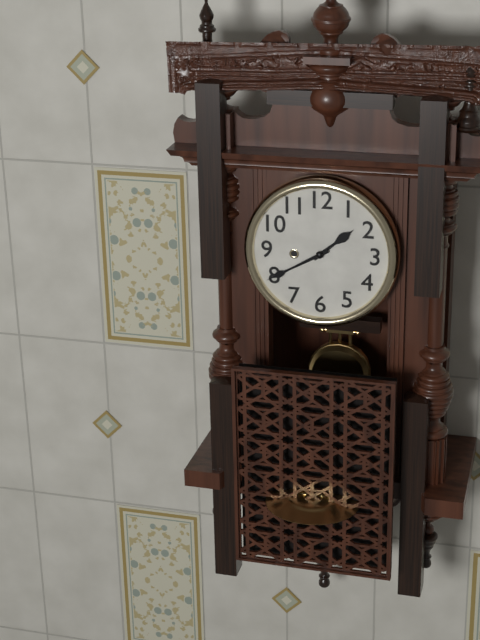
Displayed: **1:40**
